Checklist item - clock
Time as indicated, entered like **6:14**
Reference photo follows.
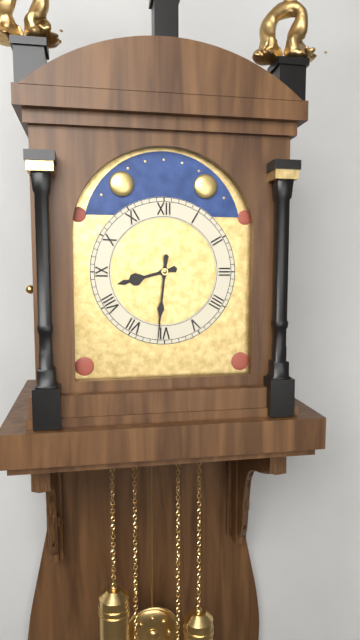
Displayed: **8:31**
